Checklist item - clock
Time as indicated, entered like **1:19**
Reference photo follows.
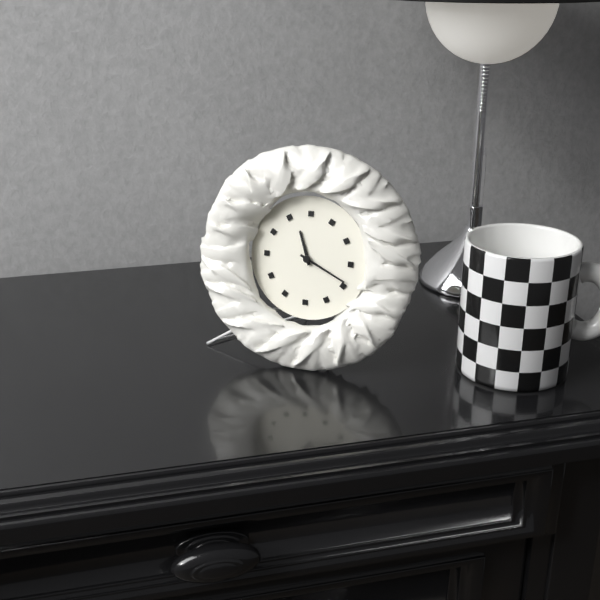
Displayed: **11:19**
